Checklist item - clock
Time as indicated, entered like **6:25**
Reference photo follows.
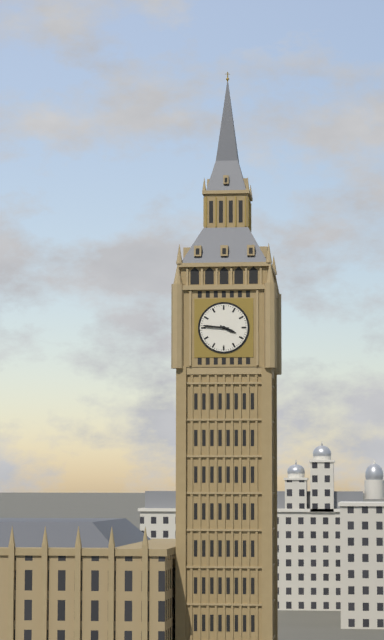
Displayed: **3:46**
